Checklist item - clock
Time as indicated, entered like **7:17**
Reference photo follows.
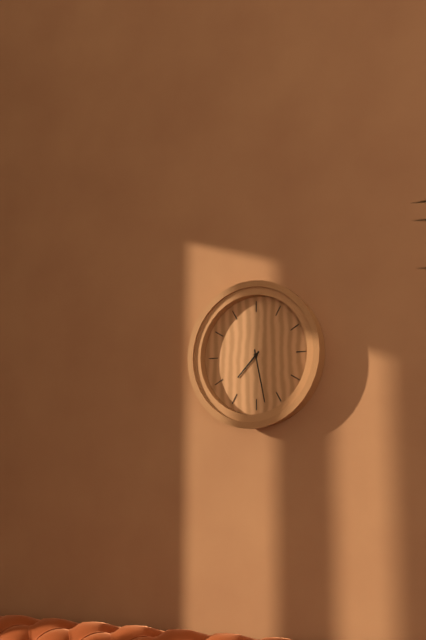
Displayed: **7:28**
